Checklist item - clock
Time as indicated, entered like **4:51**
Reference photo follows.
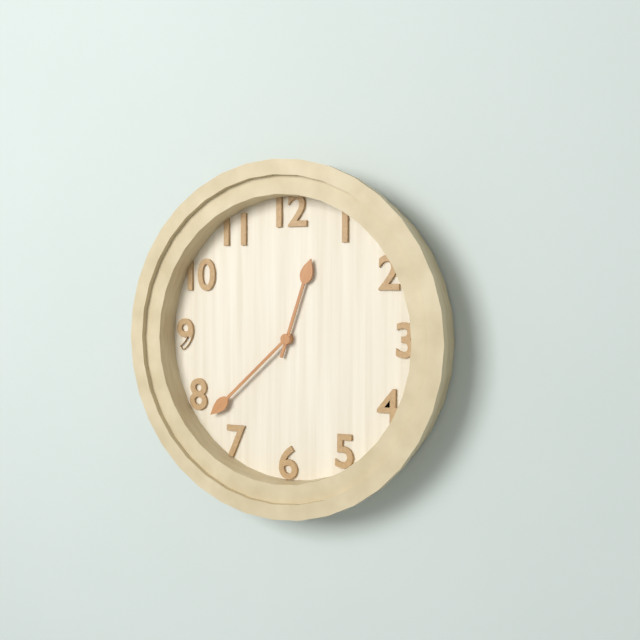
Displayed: **12:38**
